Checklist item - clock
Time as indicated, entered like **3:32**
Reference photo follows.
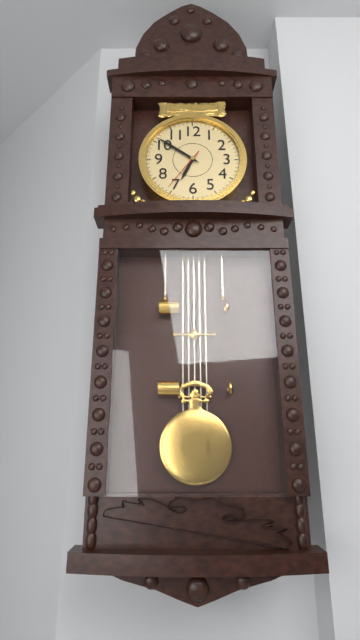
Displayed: **6:51**
